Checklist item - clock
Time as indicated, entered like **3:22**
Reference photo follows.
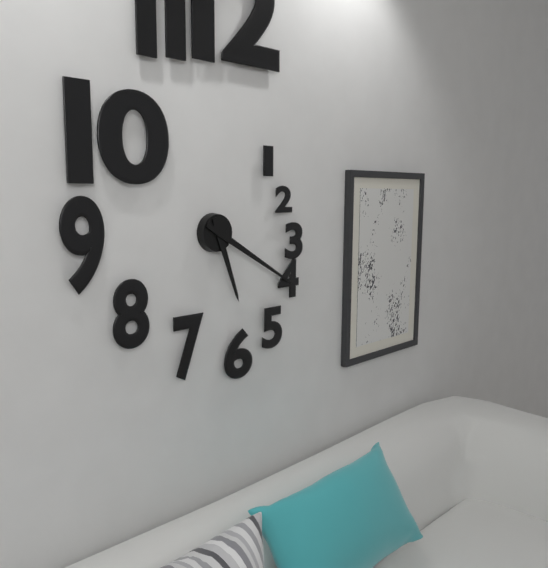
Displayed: **5:20**
